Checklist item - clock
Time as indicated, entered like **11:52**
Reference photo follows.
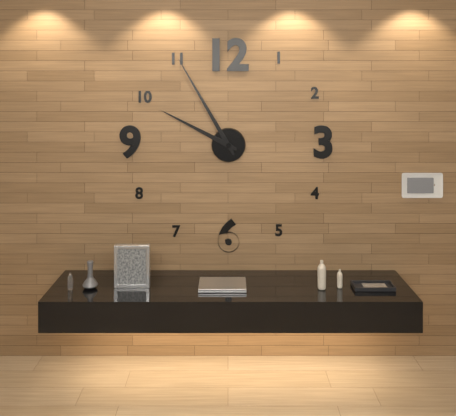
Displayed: **9:55**
